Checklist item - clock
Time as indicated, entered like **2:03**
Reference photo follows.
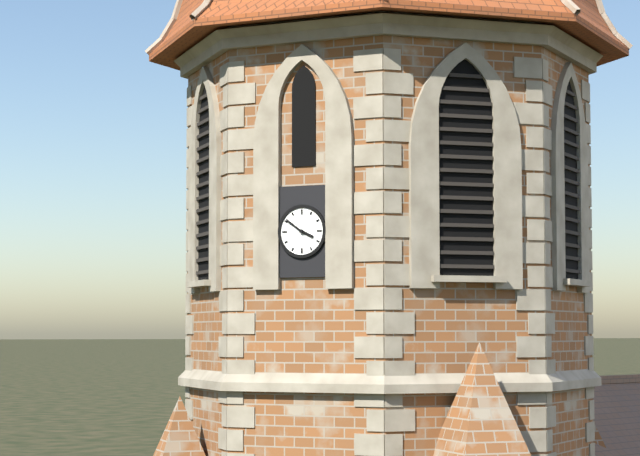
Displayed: **3:51**
